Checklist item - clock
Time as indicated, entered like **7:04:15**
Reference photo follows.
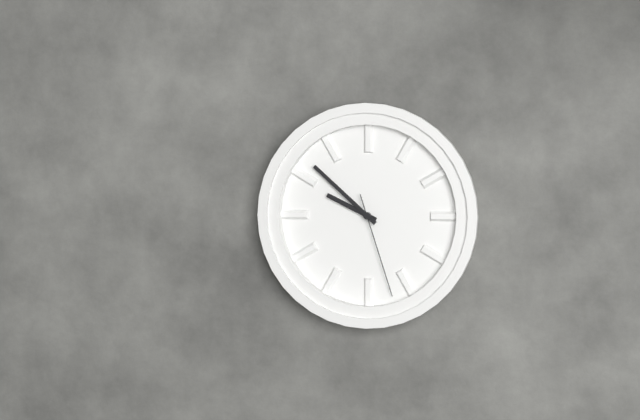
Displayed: **9:52:27**
